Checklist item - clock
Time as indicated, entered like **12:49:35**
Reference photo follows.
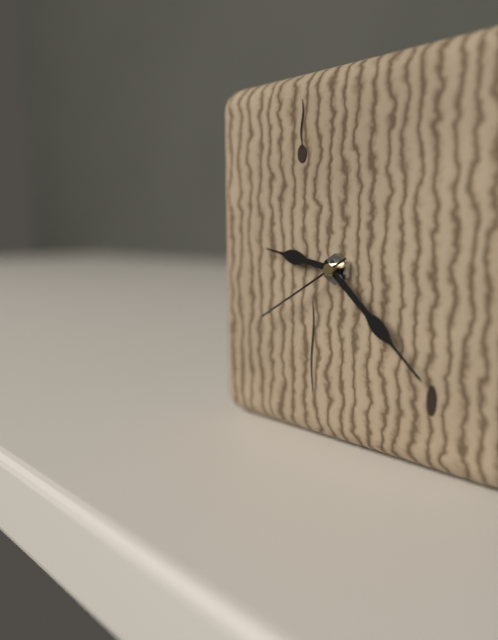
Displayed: **9:22:40**
